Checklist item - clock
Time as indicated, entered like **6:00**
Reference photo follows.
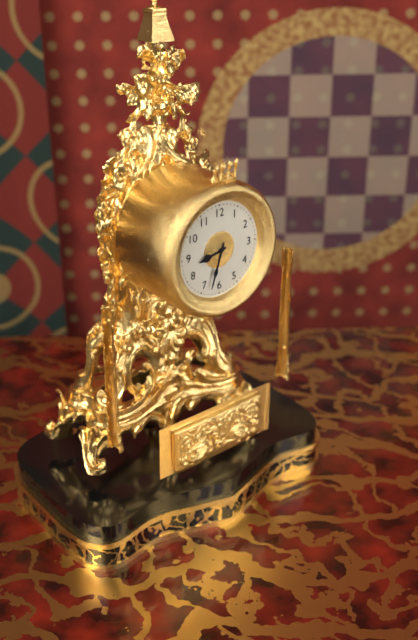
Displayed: **8:33**
